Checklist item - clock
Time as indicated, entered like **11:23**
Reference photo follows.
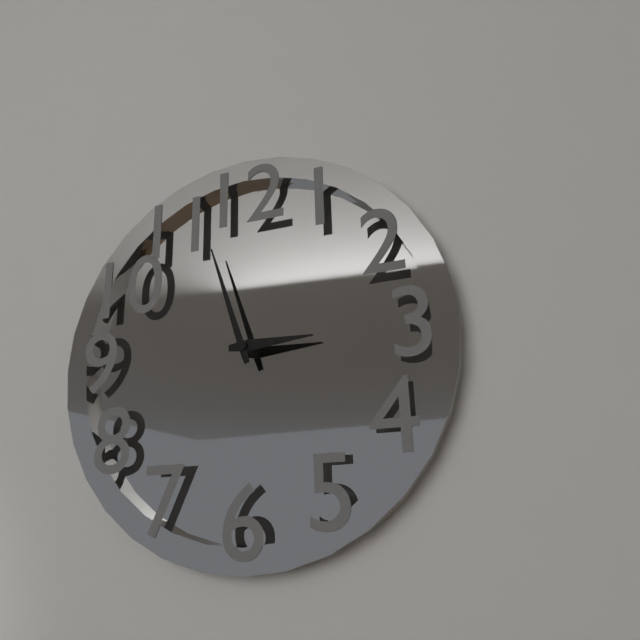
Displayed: **2:57**
